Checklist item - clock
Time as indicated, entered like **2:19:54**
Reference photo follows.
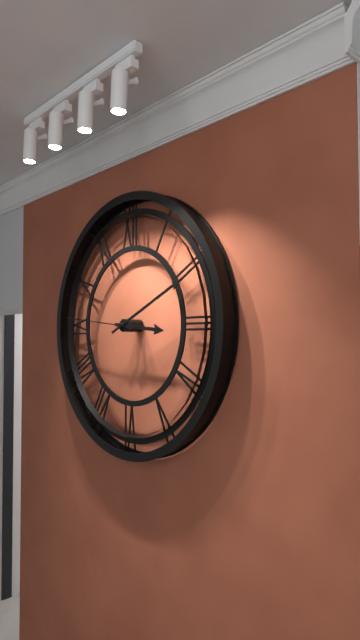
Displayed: **3:11:46**
